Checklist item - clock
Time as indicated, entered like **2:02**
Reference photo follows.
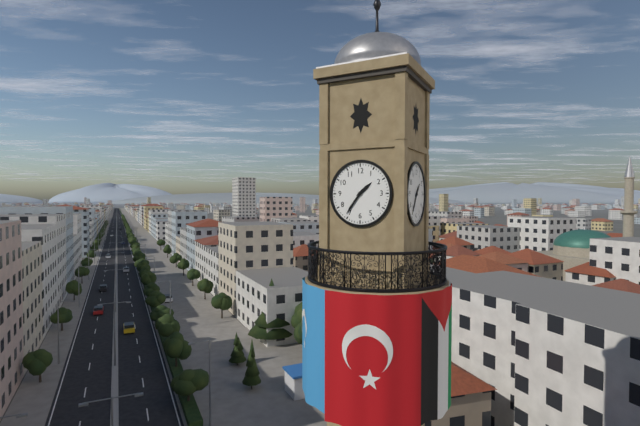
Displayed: **1:36**
